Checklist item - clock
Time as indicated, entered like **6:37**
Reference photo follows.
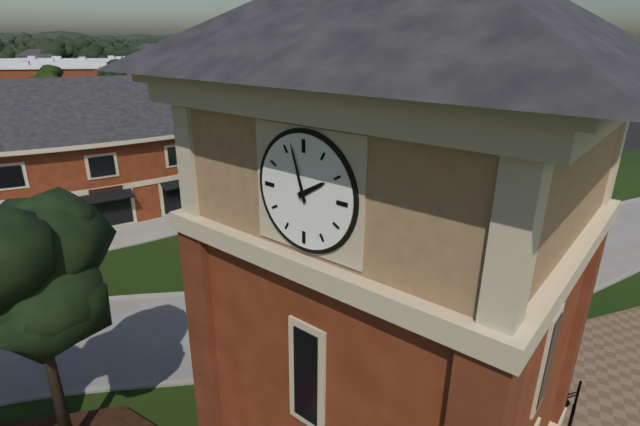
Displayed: **1:57**
